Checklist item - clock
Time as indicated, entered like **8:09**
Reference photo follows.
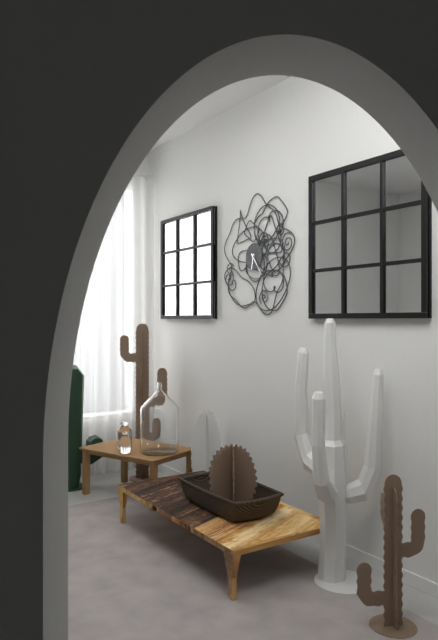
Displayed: **6:24**
